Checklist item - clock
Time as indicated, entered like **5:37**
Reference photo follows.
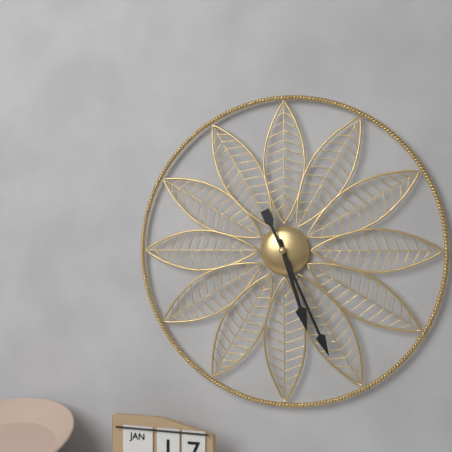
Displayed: **5:26**
